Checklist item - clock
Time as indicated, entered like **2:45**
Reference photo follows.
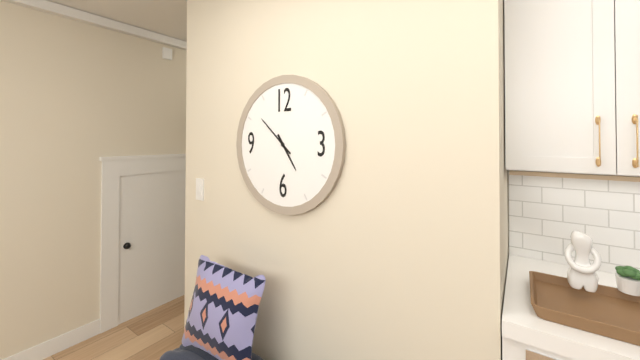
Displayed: **4:52**
